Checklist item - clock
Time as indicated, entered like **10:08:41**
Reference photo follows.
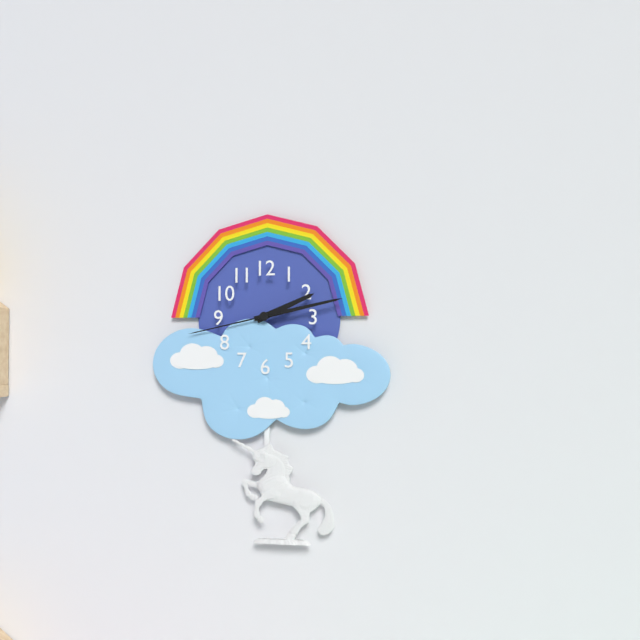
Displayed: **2:13:43**
